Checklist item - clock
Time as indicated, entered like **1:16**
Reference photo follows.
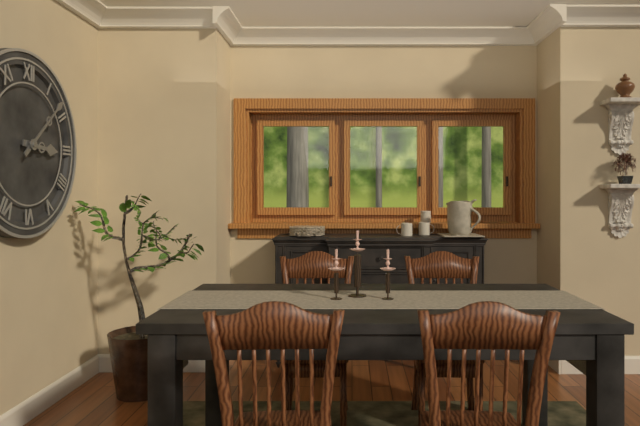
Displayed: **3:08**
